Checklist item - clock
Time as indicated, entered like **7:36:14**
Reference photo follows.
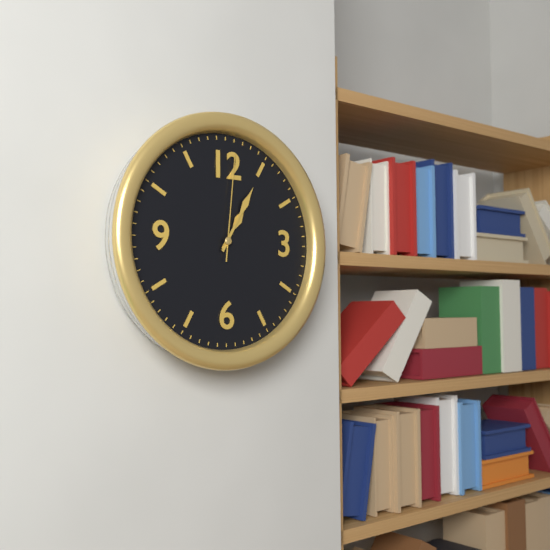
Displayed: **1:05:01**
